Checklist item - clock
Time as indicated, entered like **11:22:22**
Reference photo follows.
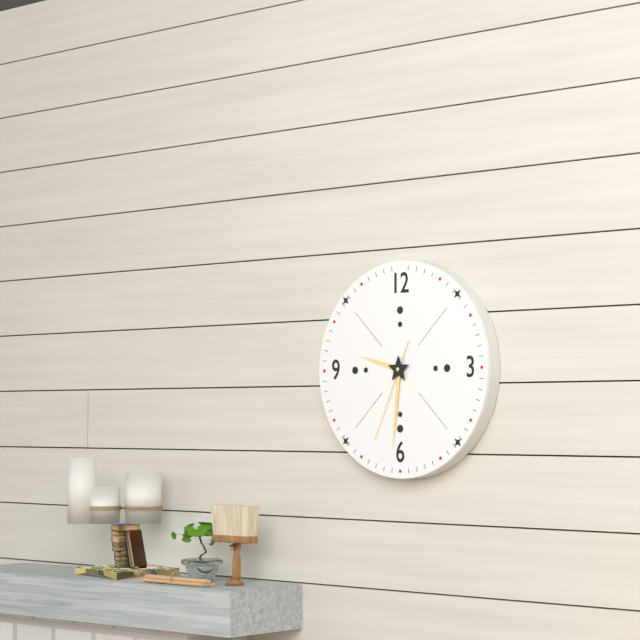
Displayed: **9:31:34**
